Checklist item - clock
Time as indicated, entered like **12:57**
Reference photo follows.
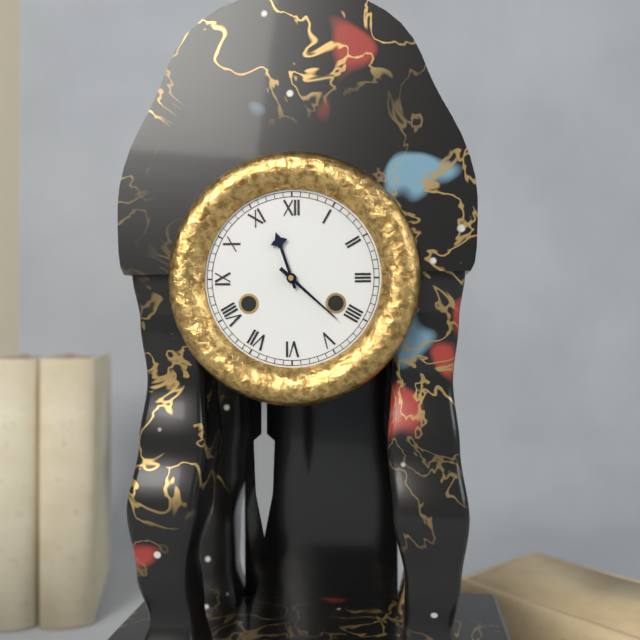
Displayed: **11:22**
